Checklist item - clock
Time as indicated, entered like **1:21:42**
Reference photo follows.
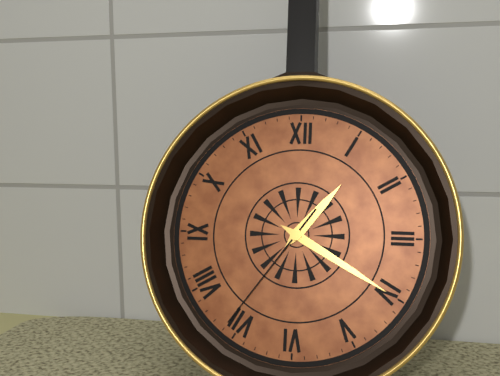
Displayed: **1:20:36**
